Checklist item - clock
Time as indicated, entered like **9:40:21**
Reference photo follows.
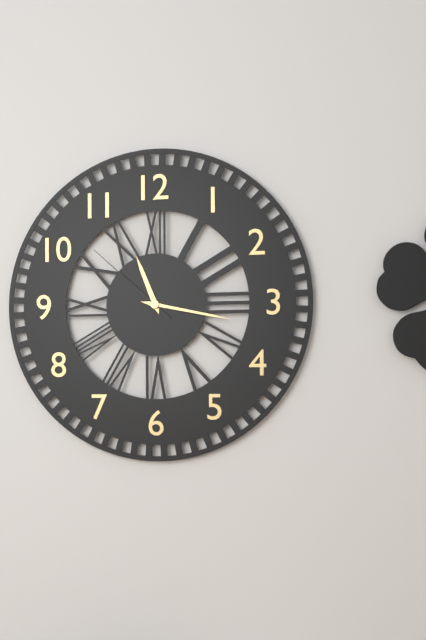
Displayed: **11:17:52**
